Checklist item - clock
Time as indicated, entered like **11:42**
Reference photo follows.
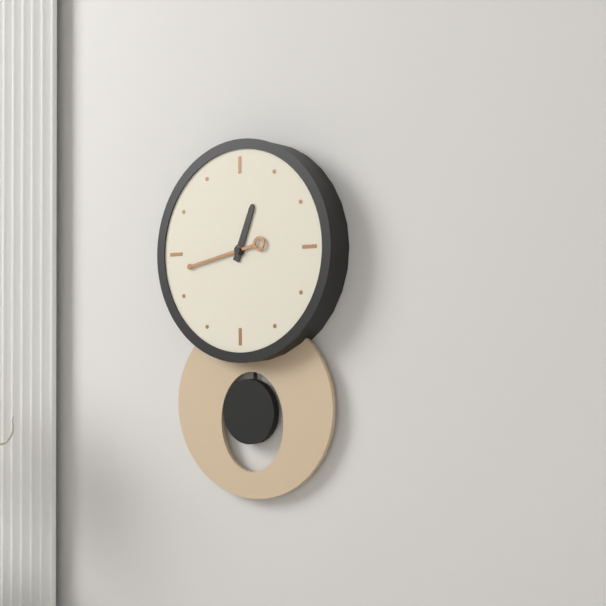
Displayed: **12:43**
